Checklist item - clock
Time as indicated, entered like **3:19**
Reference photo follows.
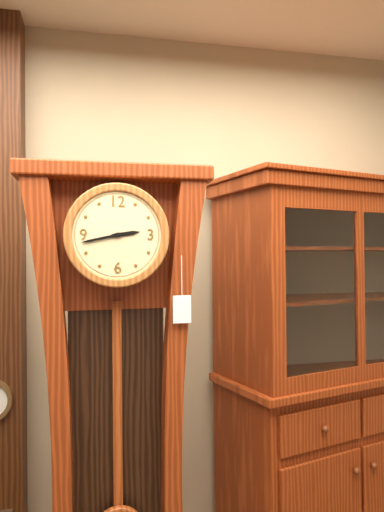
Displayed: **2:43**
